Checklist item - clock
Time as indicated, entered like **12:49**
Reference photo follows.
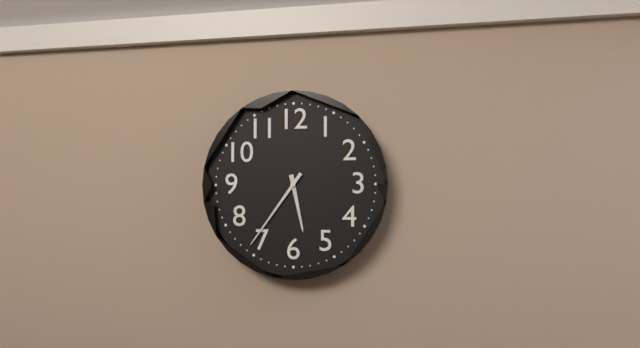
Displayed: **5:36**
